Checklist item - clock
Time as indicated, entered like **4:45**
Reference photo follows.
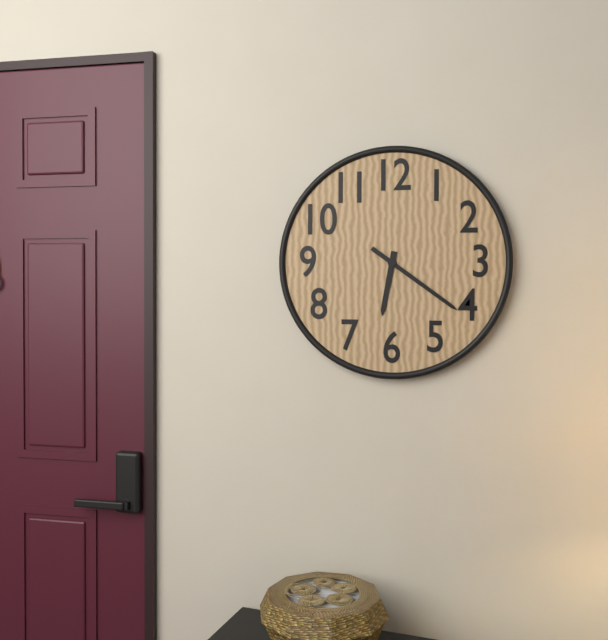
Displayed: **6:21**
